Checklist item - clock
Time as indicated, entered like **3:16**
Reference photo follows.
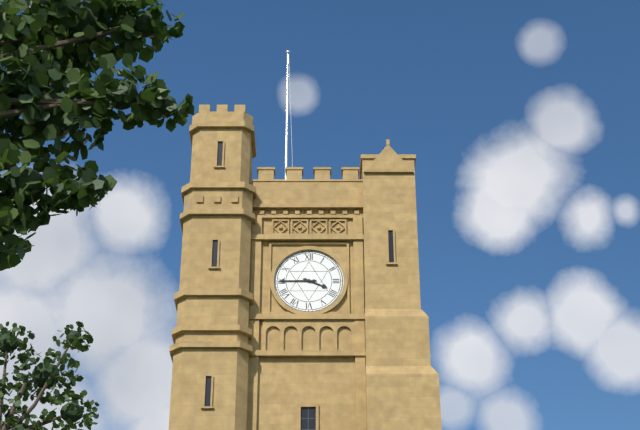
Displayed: **3:45**
